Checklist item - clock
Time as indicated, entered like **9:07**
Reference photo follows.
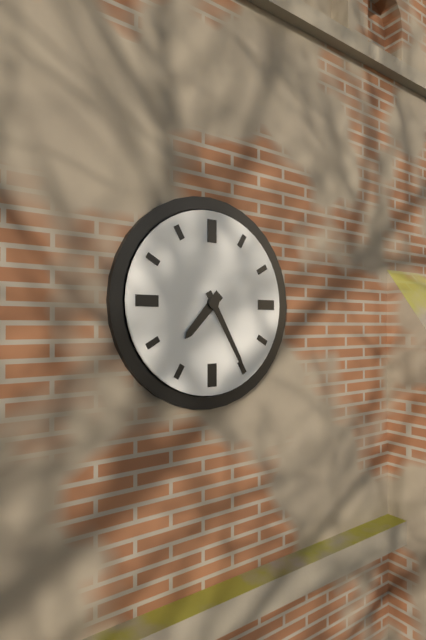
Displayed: **7:25**
